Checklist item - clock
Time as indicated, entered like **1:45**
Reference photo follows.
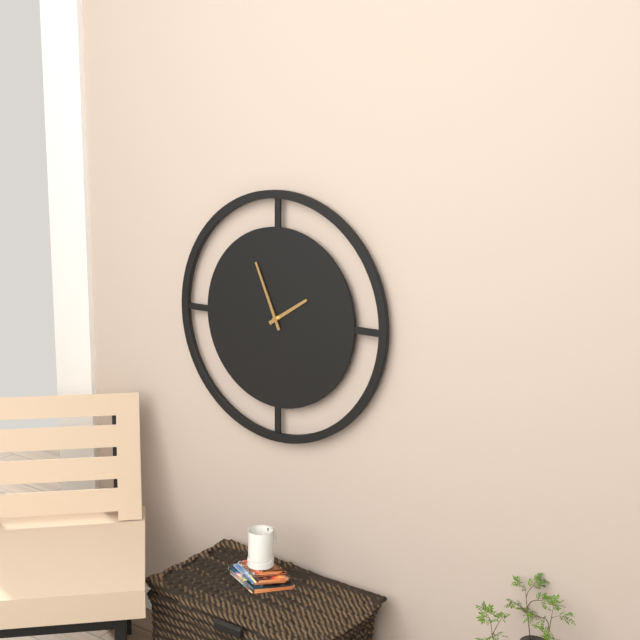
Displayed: **1:56**
